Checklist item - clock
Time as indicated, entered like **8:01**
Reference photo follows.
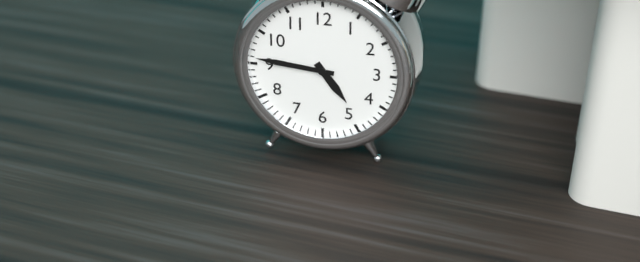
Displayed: **4:46**
